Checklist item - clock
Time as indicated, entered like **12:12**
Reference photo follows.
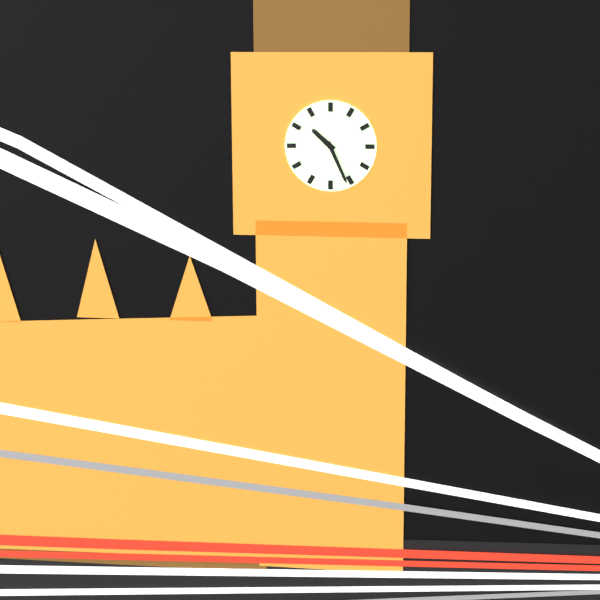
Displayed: **10:26**
